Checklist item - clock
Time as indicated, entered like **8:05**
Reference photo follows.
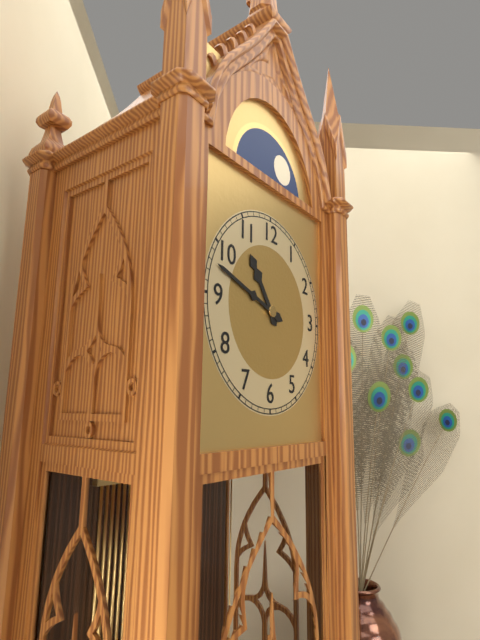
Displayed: **10:48**
